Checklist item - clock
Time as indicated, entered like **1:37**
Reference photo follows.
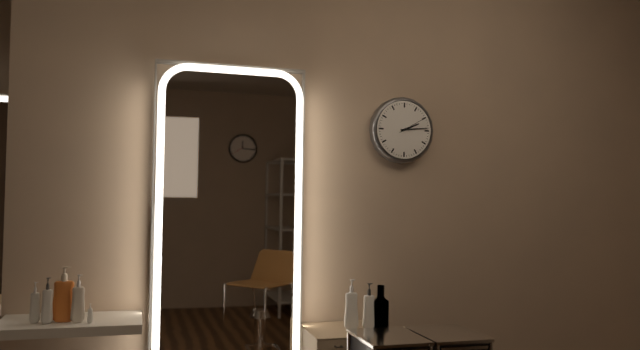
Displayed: **2:14**
